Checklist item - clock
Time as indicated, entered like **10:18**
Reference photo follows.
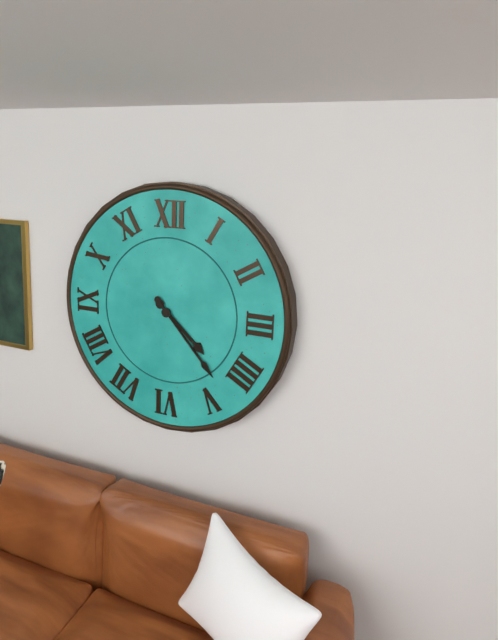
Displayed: **4:23**
